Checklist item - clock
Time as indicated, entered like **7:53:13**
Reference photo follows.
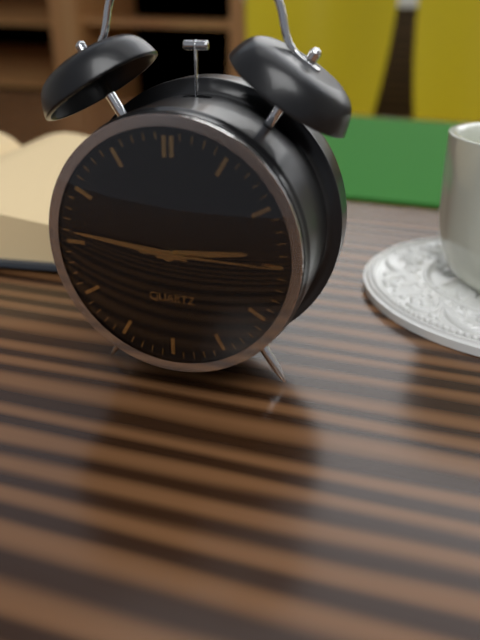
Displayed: **2:46:15**
